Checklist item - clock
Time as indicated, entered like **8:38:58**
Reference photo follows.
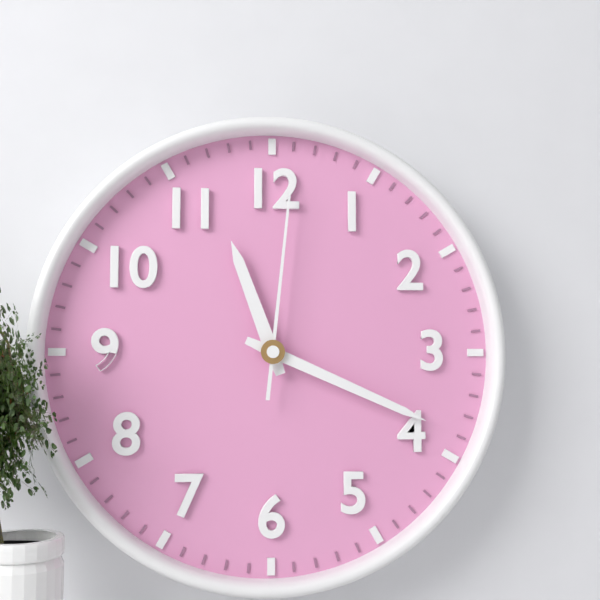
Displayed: **11:19:01**
